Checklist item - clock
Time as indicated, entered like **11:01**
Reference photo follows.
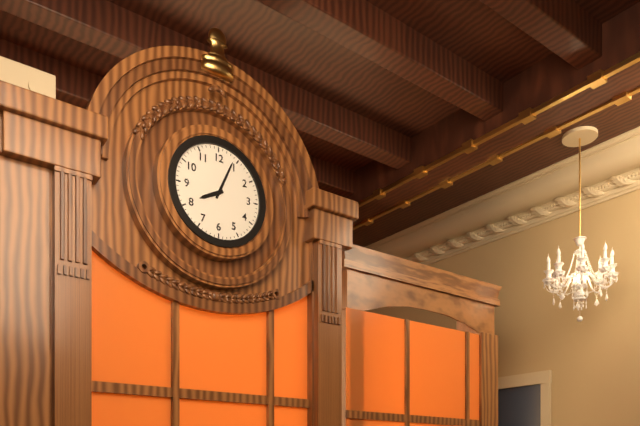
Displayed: **8:04**
